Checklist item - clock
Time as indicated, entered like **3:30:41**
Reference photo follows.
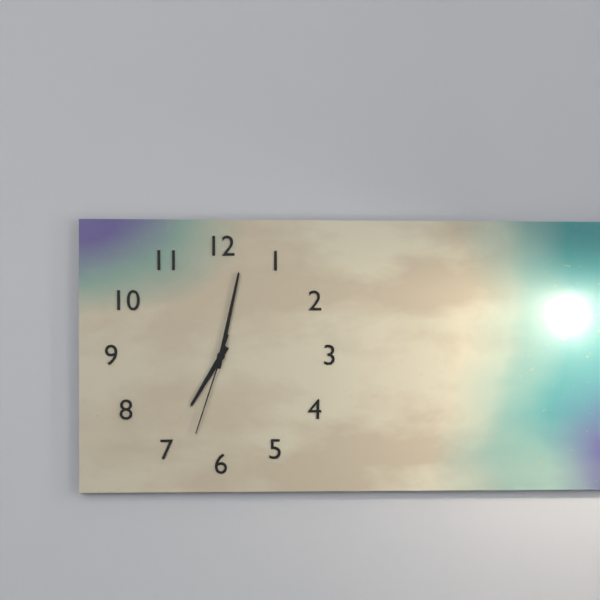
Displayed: **7:02:33**
